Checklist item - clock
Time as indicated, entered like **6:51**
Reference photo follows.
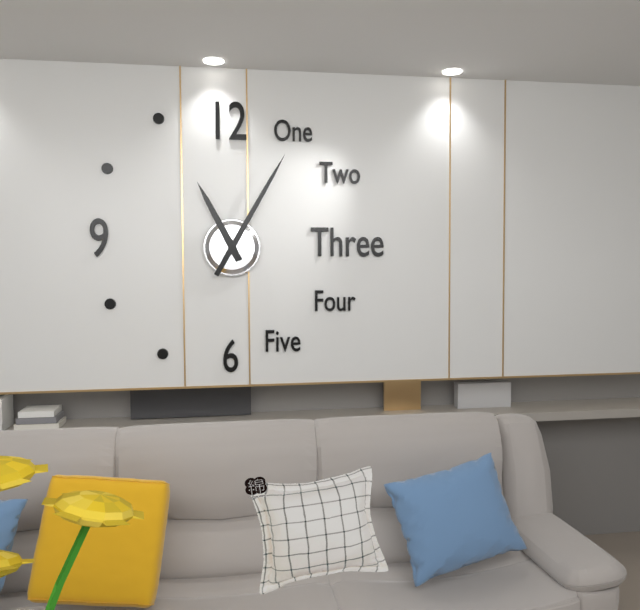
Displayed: **11:05**
